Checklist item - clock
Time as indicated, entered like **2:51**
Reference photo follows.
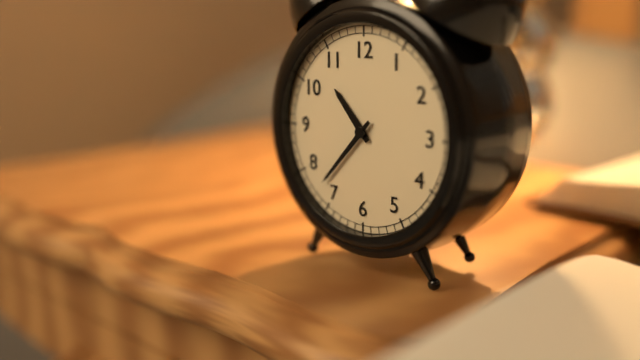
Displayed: **10:37**
